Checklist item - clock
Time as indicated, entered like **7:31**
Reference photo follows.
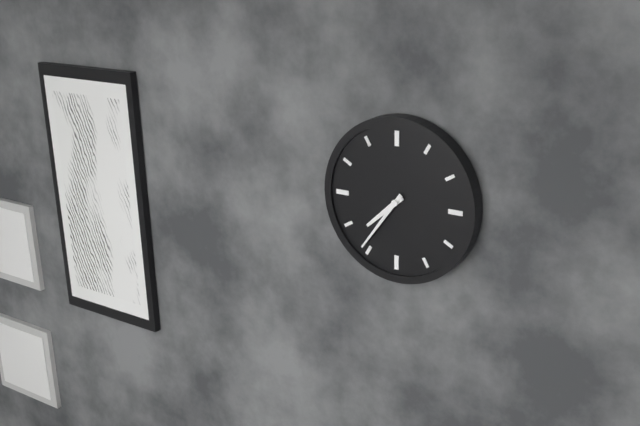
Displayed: **7:36**
